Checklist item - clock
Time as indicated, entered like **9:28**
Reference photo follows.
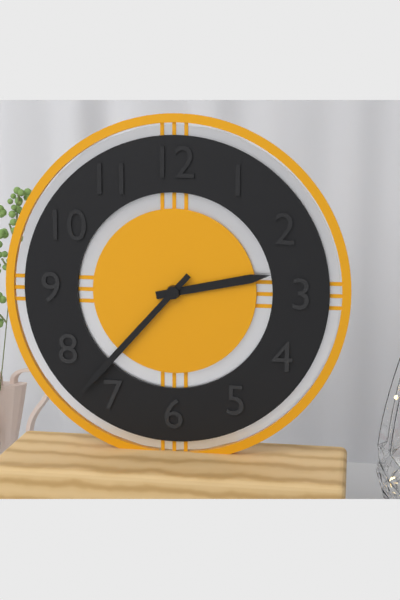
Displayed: **2:37**
